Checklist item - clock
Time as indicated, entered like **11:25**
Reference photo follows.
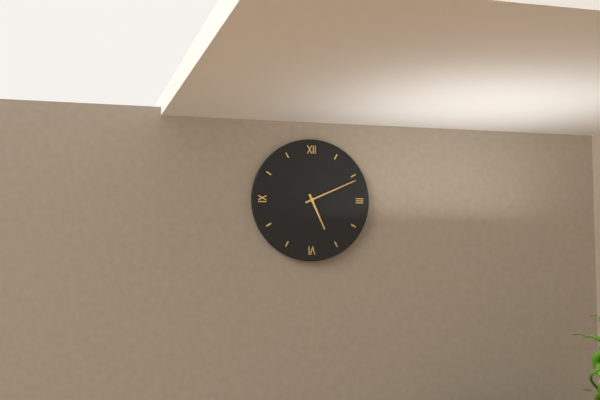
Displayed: **5:11**
